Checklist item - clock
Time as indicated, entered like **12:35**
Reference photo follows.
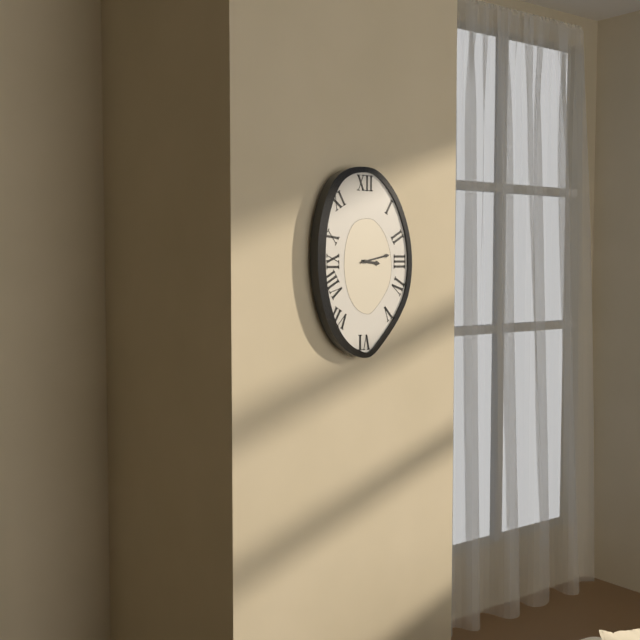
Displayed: **3:13**
